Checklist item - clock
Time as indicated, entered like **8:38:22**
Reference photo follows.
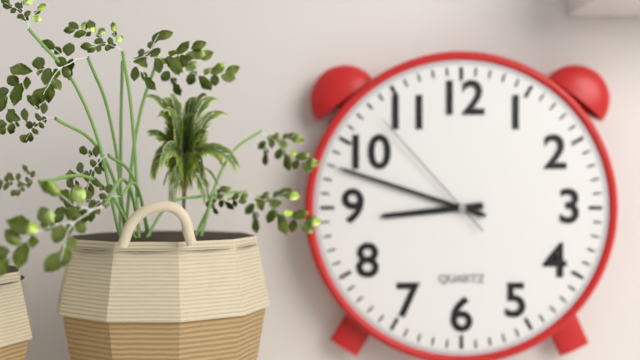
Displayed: **8:48:53**
